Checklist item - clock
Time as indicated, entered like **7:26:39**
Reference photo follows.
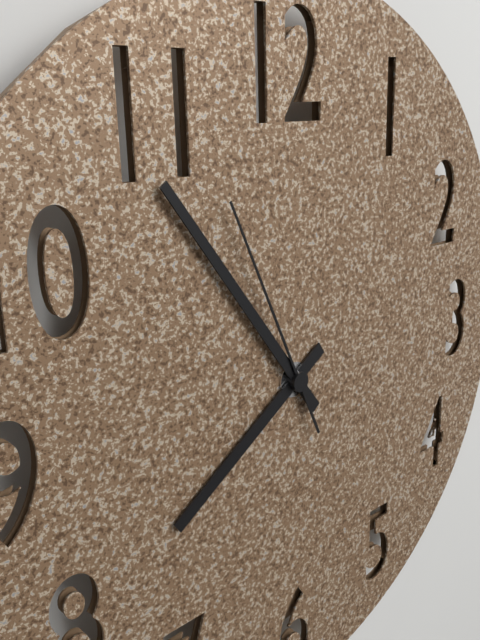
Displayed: **7:54:56**
